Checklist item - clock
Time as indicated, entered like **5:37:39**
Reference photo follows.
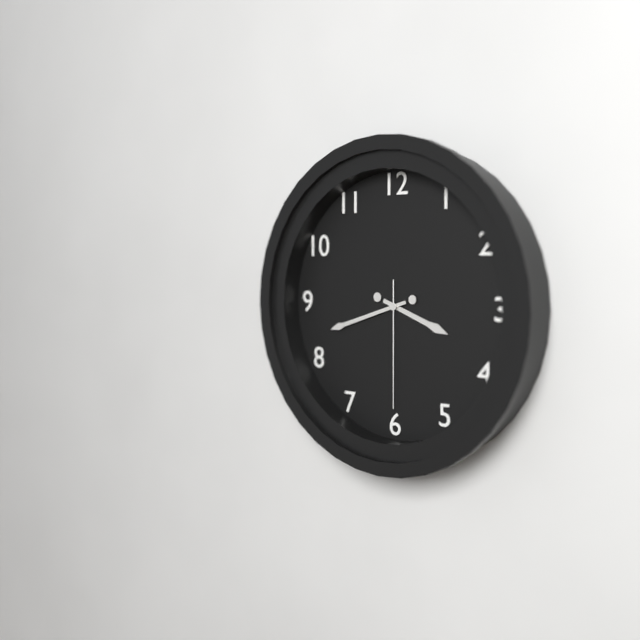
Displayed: **3:42:30**
